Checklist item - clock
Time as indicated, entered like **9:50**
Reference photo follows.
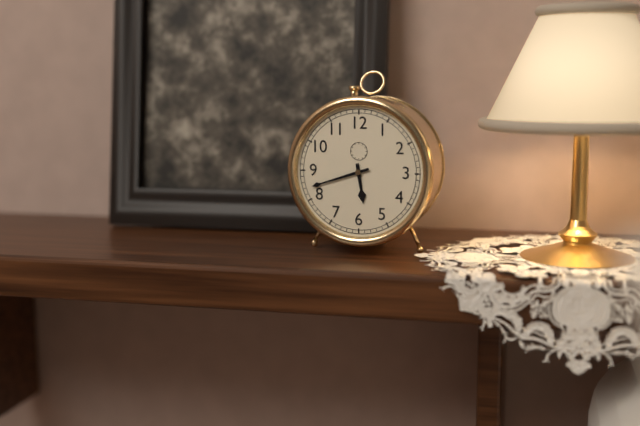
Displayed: **5:42**
